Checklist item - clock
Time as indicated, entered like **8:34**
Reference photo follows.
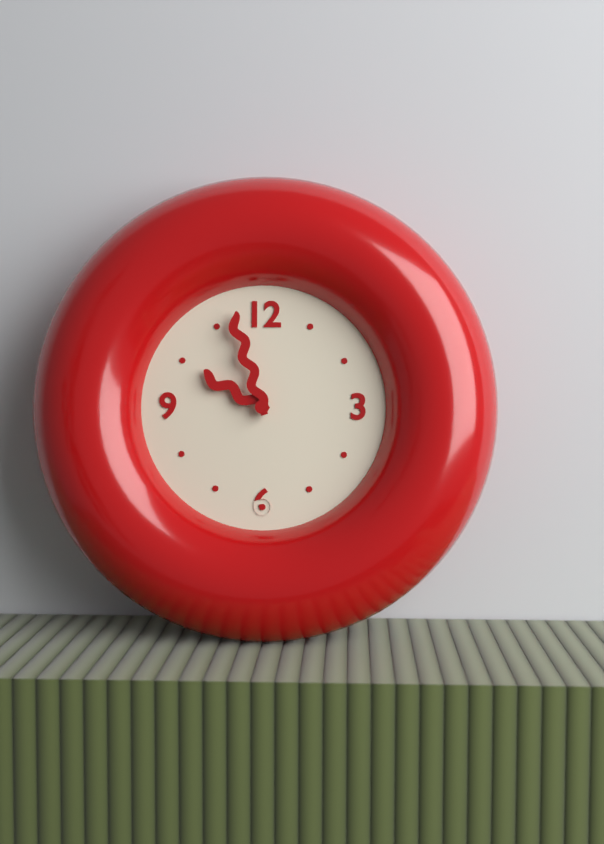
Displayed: **9:57**
